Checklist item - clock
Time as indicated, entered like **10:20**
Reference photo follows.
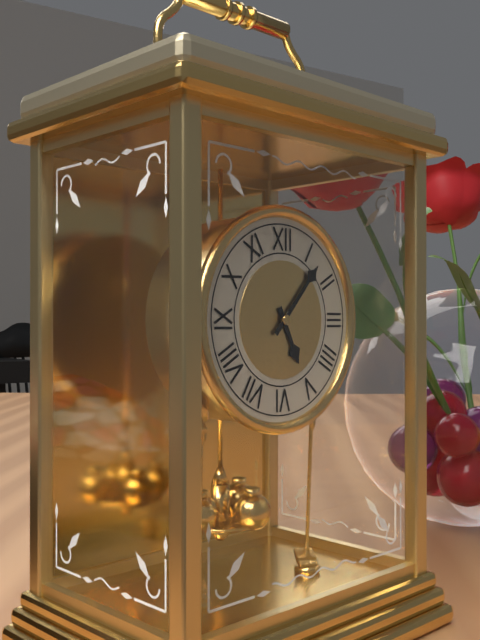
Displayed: **5:07**
